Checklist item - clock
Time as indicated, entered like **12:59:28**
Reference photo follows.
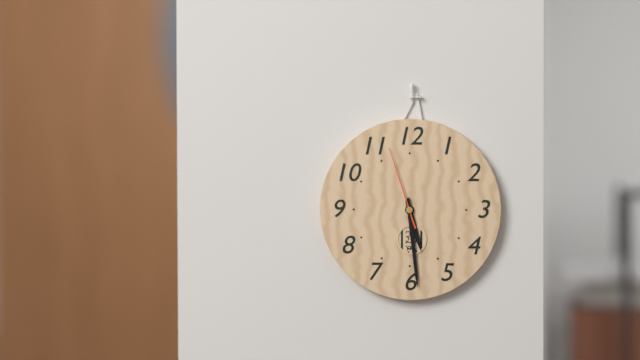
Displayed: **5:29:57**
